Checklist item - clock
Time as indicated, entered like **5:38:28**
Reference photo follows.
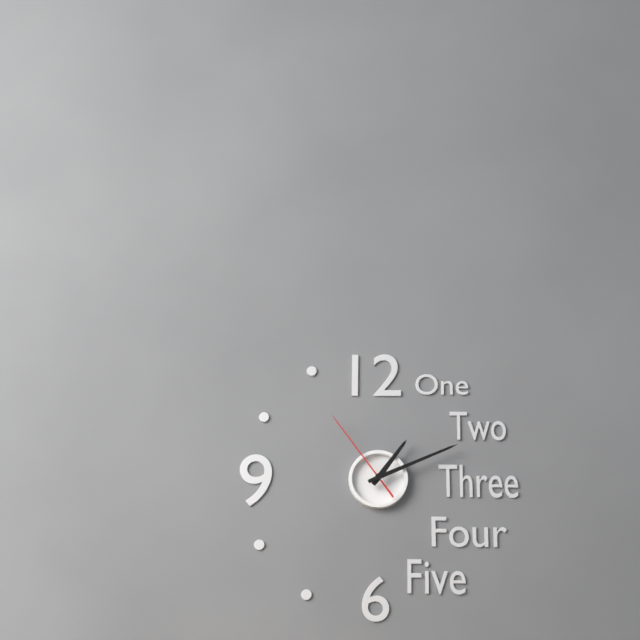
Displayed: **1:11:54**
